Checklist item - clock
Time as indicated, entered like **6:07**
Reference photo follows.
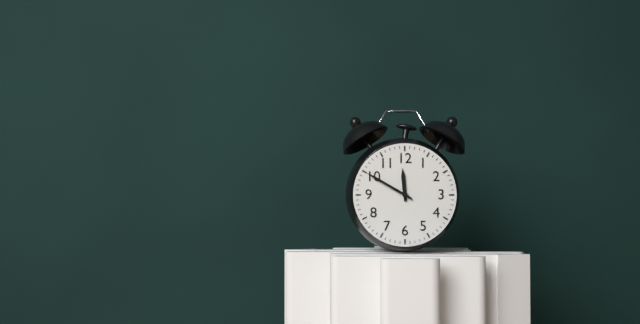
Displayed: **11:50**
